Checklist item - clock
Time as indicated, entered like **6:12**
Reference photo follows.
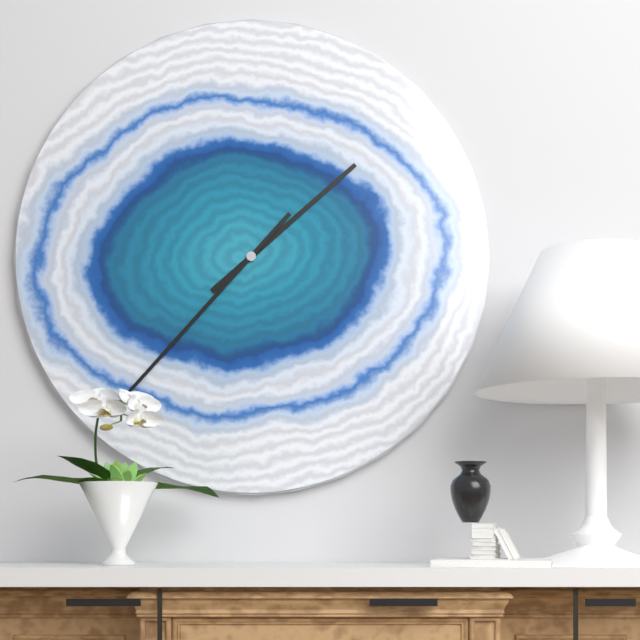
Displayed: **1:37**
